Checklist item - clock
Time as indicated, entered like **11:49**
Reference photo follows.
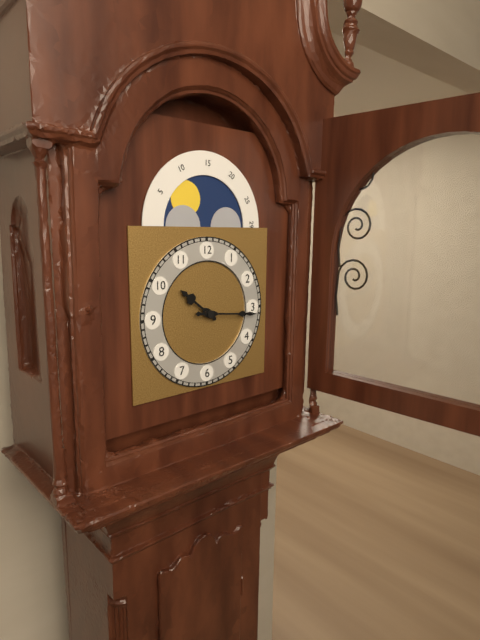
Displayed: **10:16**
